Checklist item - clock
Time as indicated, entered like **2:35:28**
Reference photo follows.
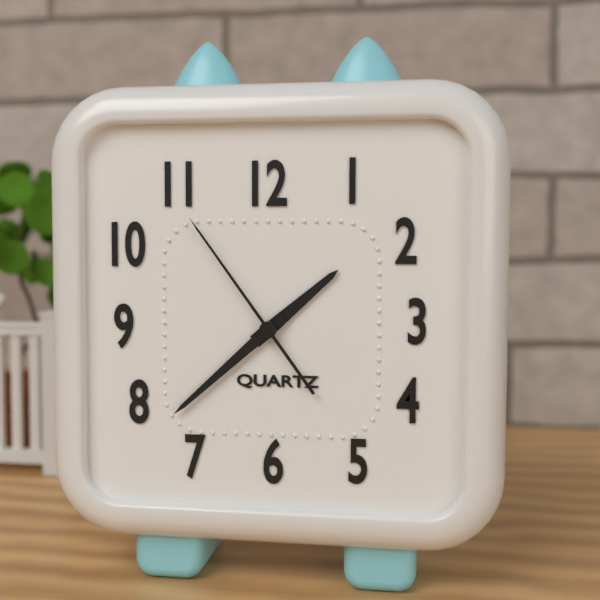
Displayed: **1:38:54**
